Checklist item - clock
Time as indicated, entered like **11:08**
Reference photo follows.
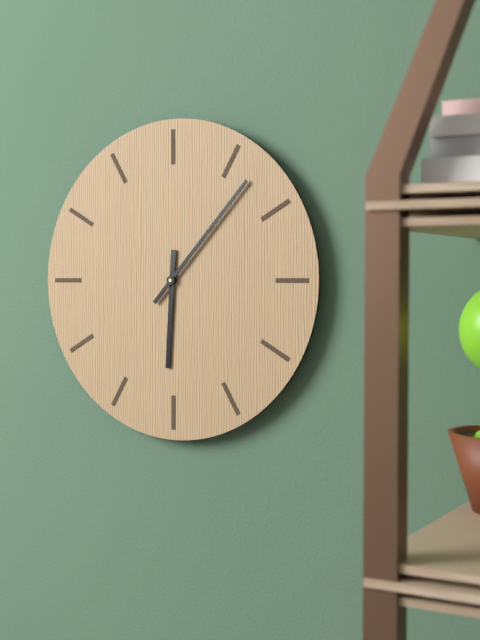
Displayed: **6:07**
